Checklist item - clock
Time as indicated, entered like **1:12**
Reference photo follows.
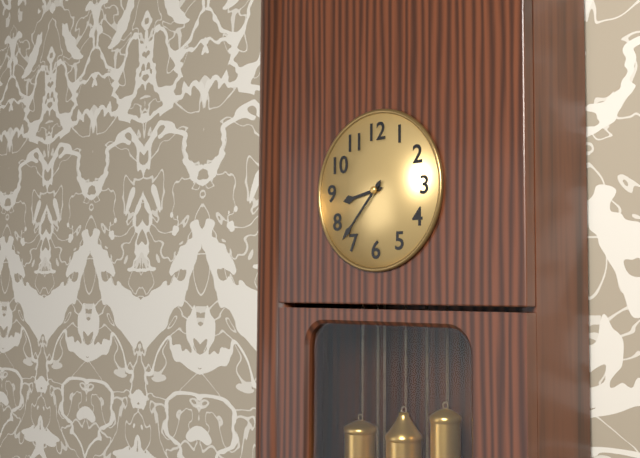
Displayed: **8:37**
